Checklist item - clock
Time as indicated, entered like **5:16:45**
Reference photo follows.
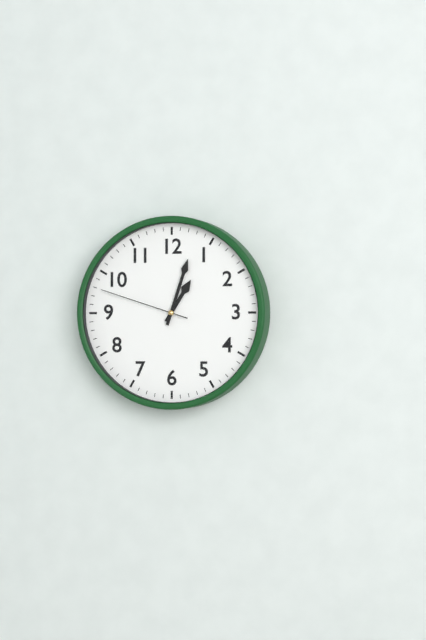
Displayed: **1:03:48**
